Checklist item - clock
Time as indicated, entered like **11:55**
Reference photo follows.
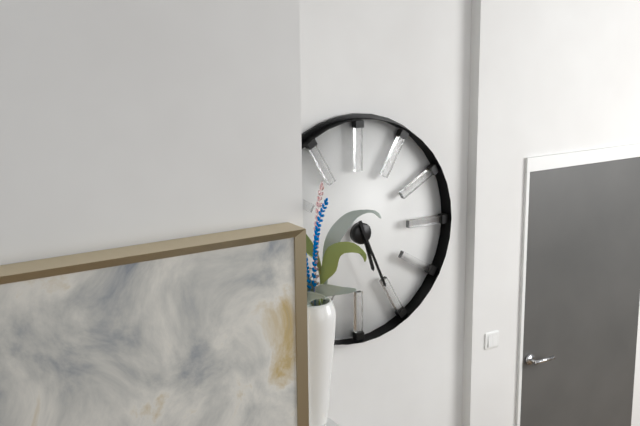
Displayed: **5:26**
